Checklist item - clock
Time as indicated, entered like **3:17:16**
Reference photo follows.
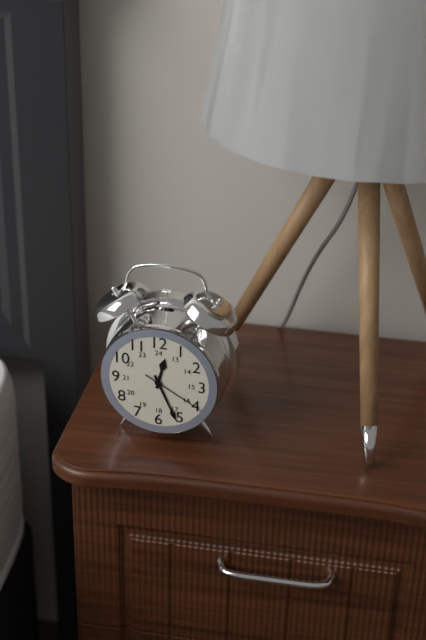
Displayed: **12:26:20**
